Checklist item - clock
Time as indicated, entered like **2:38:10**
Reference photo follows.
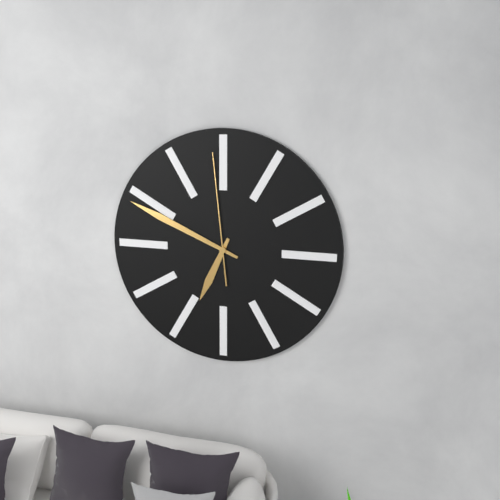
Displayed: **6:49:59**
